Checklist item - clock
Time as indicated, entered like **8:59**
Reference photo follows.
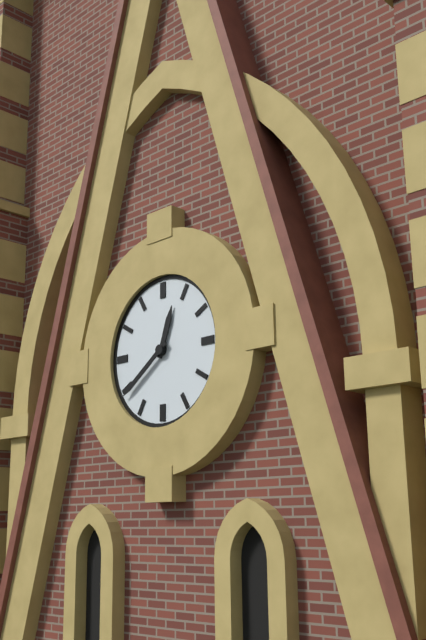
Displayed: **12:39**
